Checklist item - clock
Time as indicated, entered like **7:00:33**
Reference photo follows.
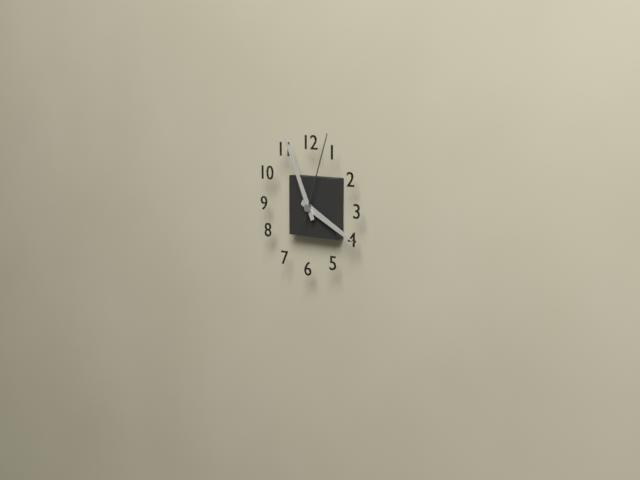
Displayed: **3:56:03**
